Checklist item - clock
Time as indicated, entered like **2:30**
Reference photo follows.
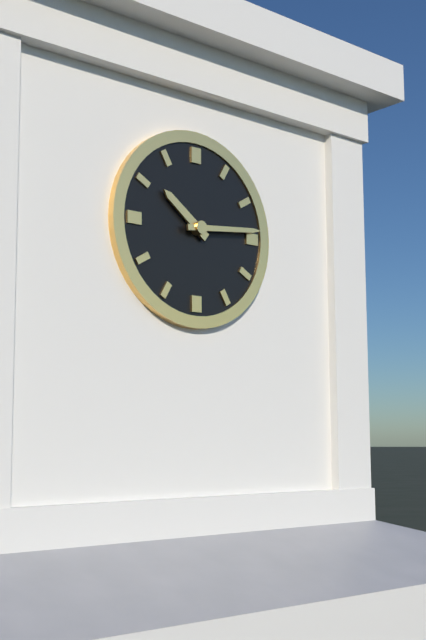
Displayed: **10:14**
